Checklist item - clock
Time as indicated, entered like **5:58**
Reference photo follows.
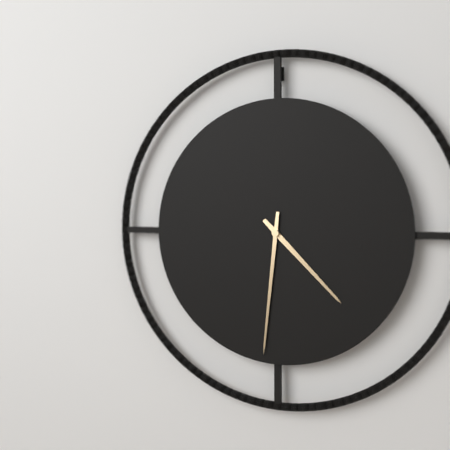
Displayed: **4:31**
